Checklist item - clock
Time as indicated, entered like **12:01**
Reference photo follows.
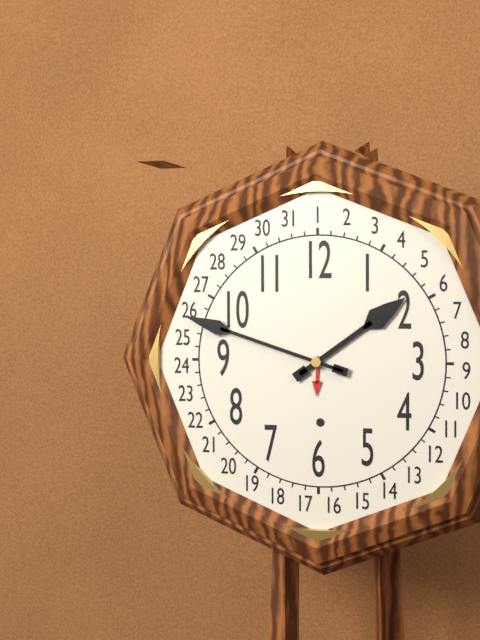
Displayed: **1:48**
